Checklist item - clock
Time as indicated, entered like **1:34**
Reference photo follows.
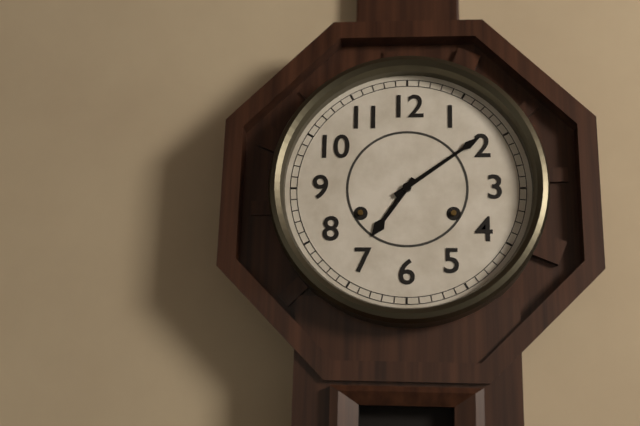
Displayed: **7:09**
